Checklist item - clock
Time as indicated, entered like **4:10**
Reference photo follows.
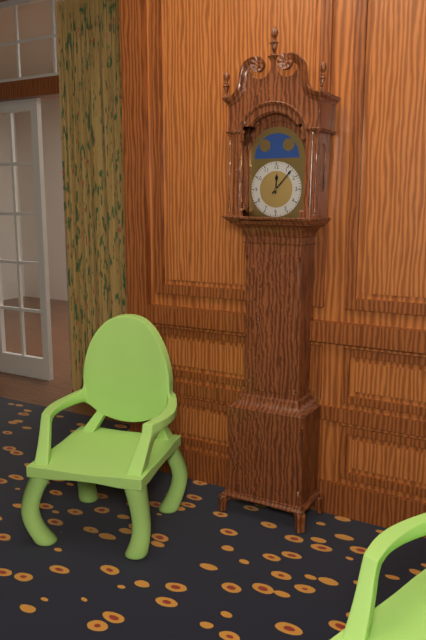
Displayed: **12:07**
